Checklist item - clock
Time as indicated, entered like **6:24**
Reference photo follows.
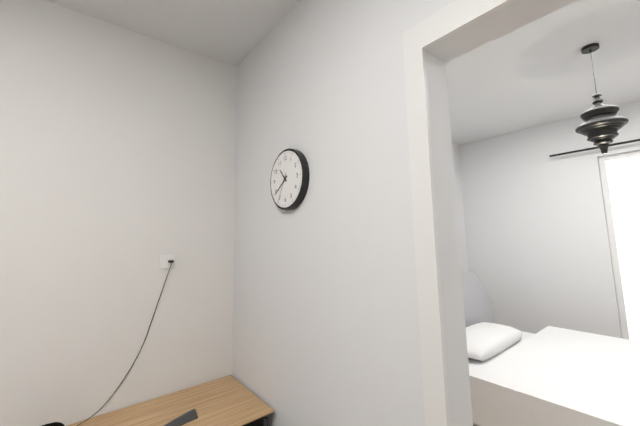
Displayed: **10:39**
